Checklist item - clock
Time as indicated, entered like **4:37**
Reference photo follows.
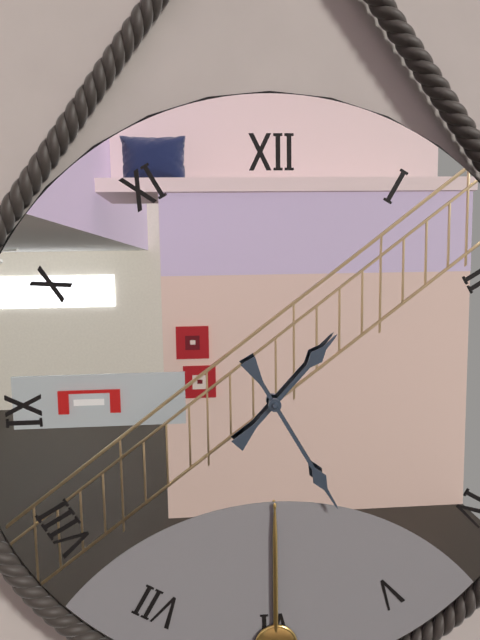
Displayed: **1:25**
